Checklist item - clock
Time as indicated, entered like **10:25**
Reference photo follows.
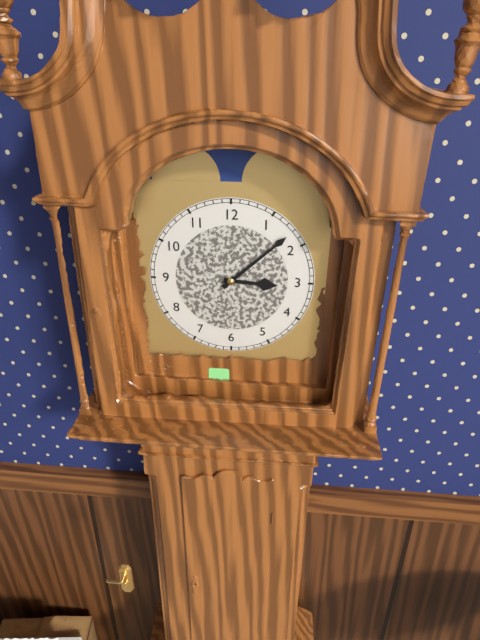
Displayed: **3:08**
